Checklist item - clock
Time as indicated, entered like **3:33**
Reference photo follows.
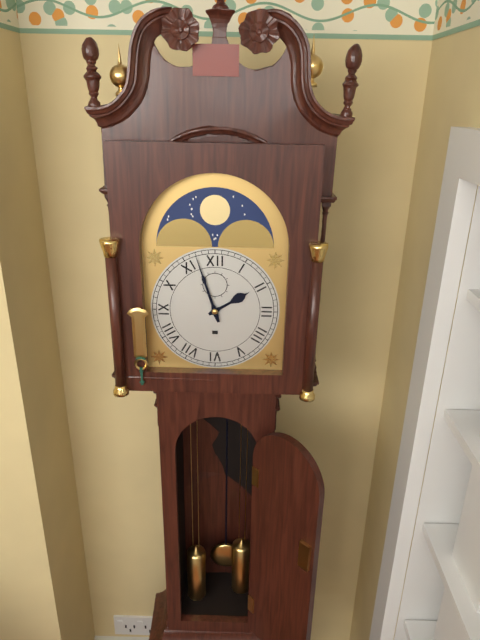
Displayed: **1:57**
